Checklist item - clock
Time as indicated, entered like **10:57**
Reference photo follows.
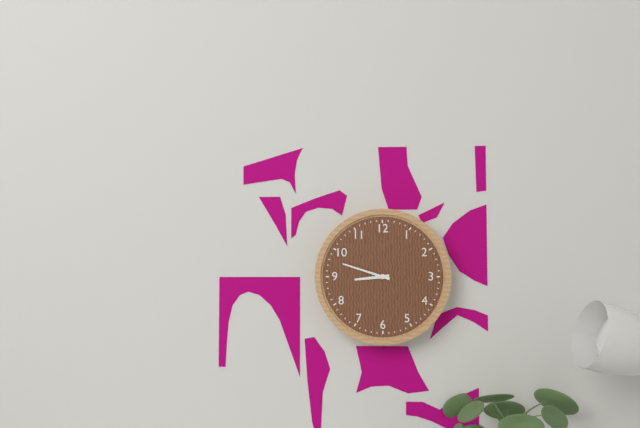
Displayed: **8:48**
